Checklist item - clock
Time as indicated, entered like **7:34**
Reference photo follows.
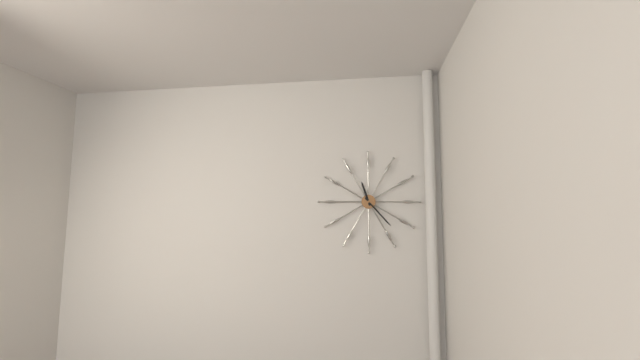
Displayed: **11:23**
